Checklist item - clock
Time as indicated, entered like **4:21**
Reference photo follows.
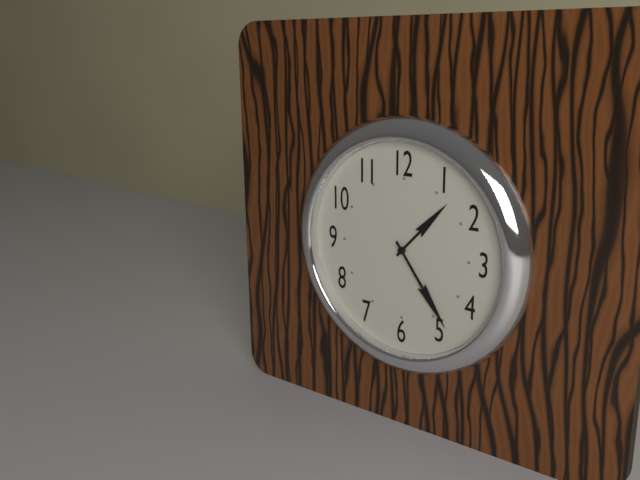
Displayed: **1:24**
